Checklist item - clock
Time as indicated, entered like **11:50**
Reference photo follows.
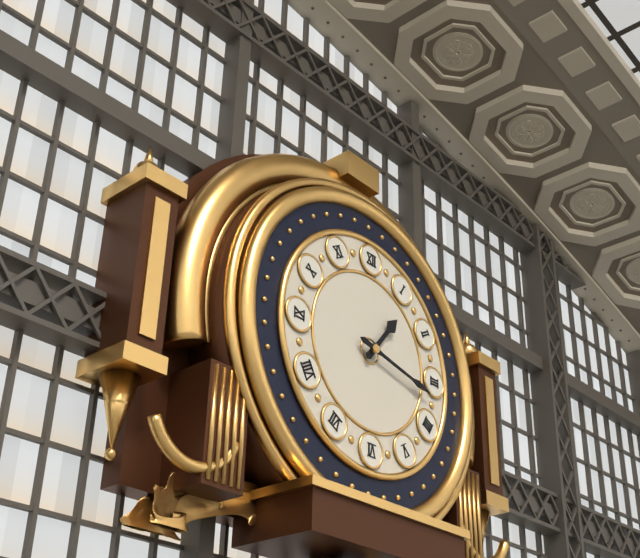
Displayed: **1:17**
